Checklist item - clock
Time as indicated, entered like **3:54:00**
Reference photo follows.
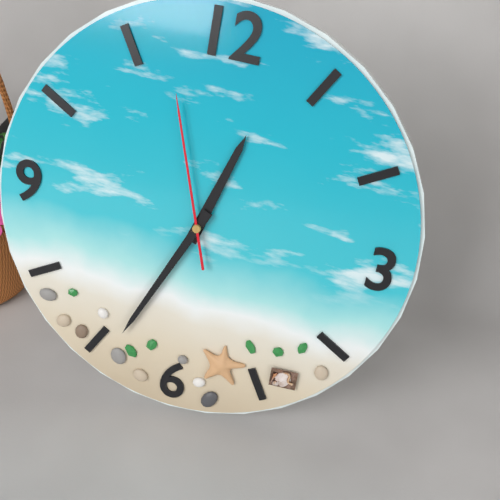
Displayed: **12:34:57**
